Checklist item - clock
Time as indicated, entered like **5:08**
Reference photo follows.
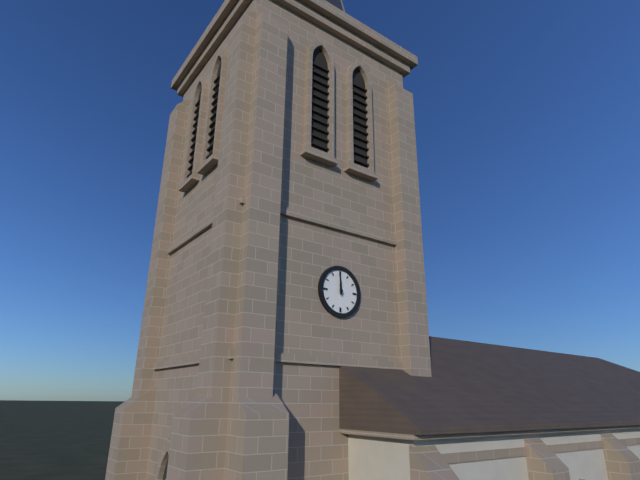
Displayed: **11:59**
